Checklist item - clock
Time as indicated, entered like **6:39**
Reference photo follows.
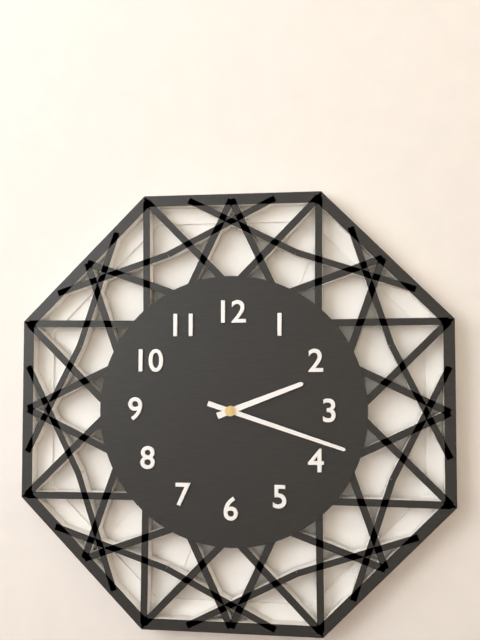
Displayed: **2:18**
